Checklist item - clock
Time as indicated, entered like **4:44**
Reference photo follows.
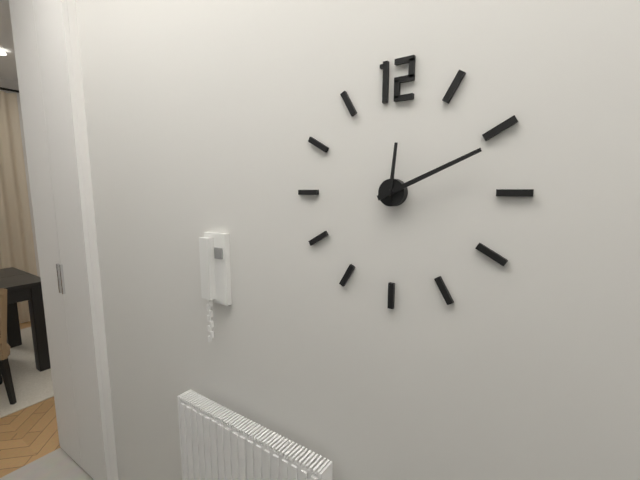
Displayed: **12:11**
